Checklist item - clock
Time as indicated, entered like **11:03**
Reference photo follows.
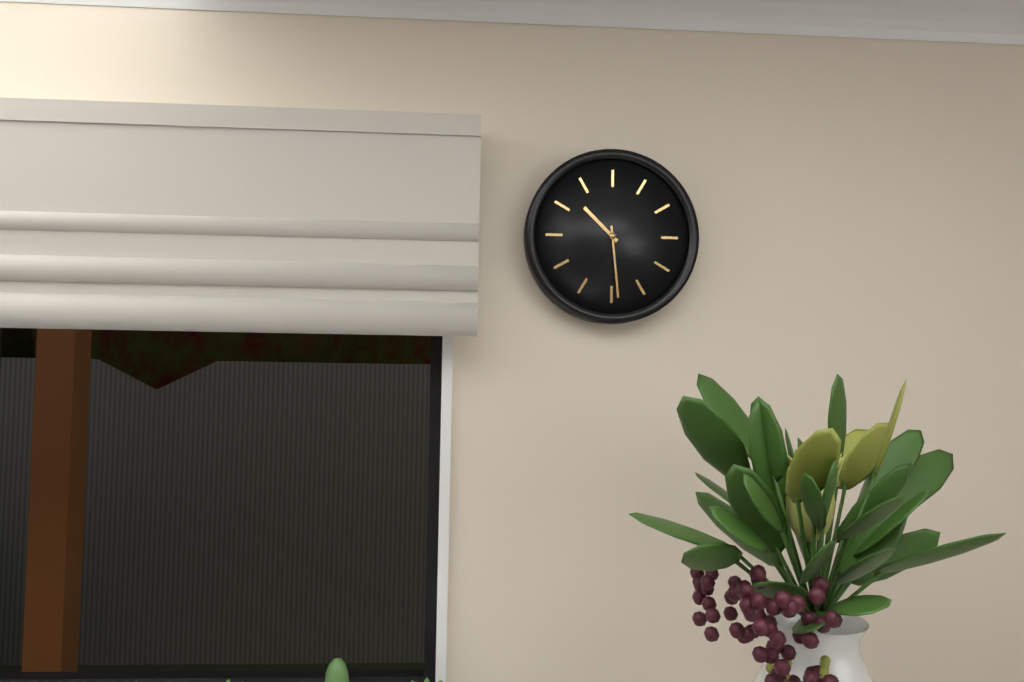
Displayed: **10:29**
